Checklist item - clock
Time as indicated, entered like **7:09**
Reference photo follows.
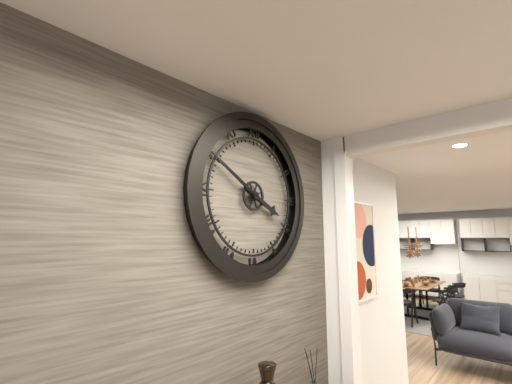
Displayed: **3:50**
